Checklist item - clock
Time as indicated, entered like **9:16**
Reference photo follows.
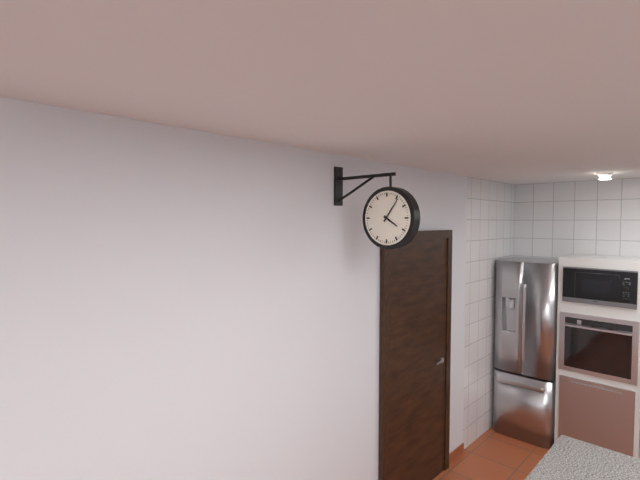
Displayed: **4:06**
